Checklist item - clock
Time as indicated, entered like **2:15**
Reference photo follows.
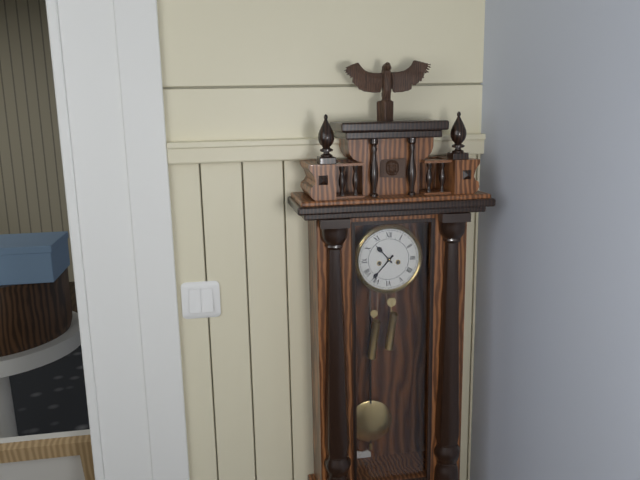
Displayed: **10:37**
